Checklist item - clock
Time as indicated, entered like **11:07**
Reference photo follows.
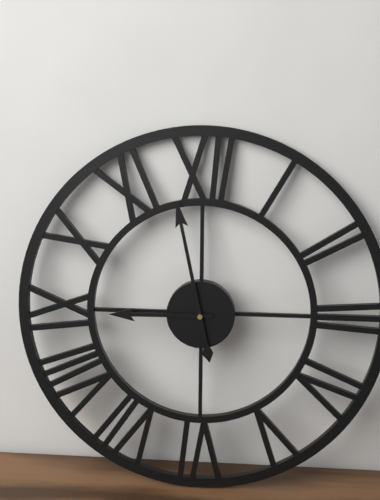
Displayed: **8:58**
